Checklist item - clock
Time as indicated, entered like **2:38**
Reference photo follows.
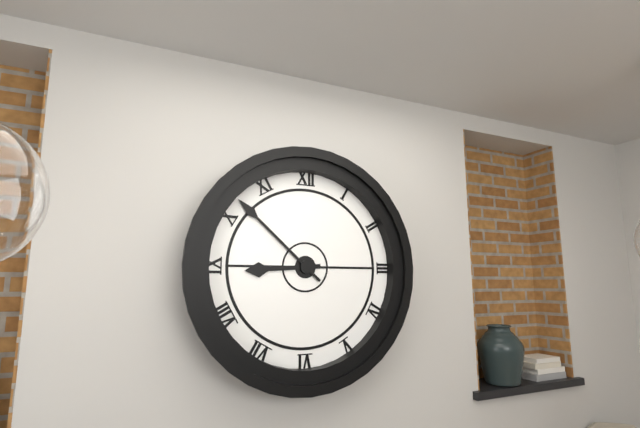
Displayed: **8:52**
